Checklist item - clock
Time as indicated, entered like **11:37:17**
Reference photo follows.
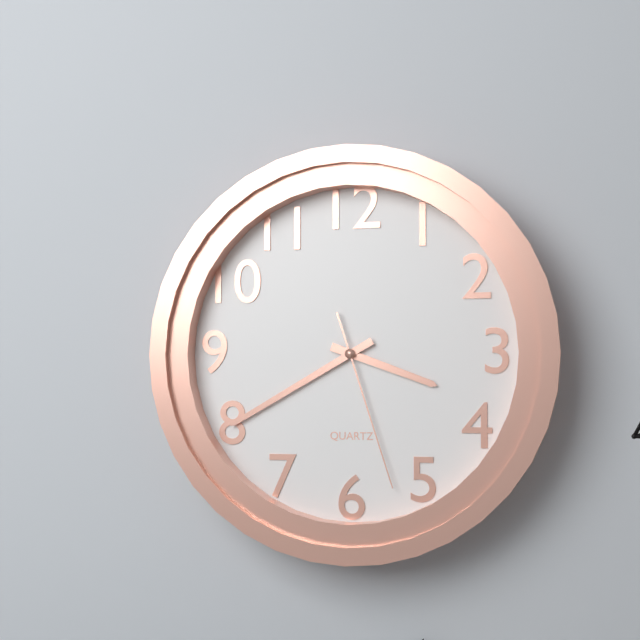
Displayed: **3:40:27**
